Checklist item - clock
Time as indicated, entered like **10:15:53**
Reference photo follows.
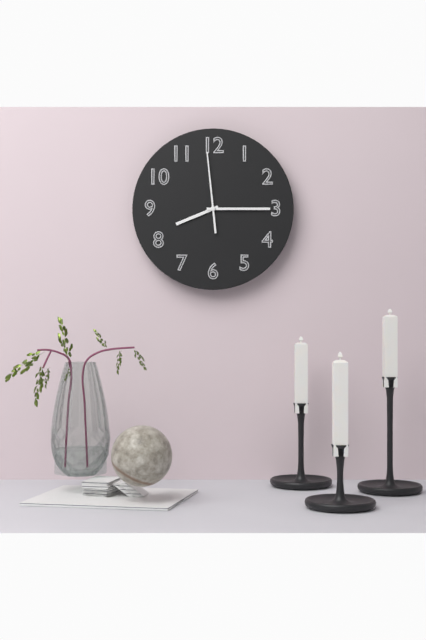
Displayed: **8:15:59**
